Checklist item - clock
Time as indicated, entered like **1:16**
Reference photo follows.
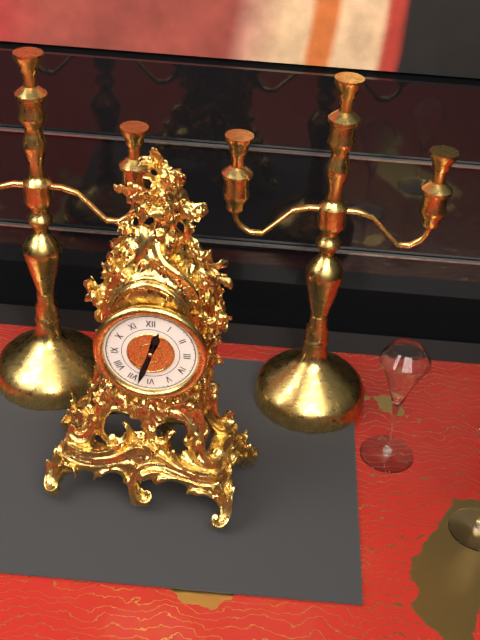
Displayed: **12:33**
